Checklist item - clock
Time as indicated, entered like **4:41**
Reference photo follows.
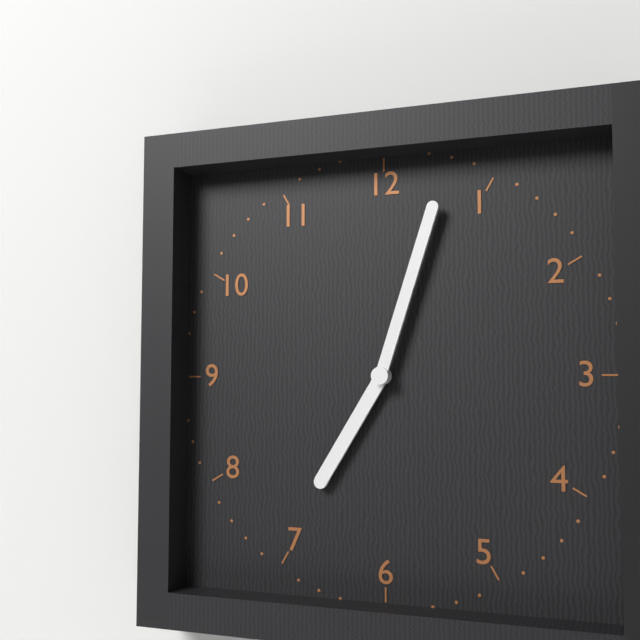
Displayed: **7:03**
